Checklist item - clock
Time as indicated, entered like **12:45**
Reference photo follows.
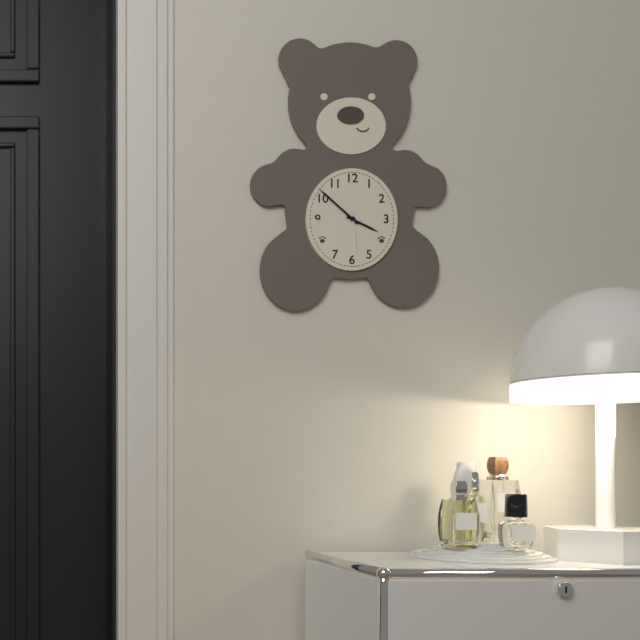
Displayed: **3:52**
